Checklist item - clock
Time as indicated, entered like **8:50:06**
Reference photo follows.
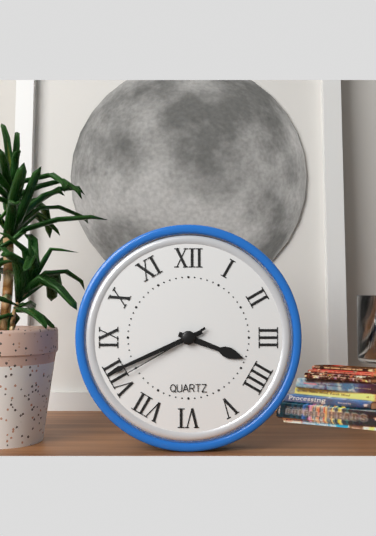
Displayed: **3:41:40**
